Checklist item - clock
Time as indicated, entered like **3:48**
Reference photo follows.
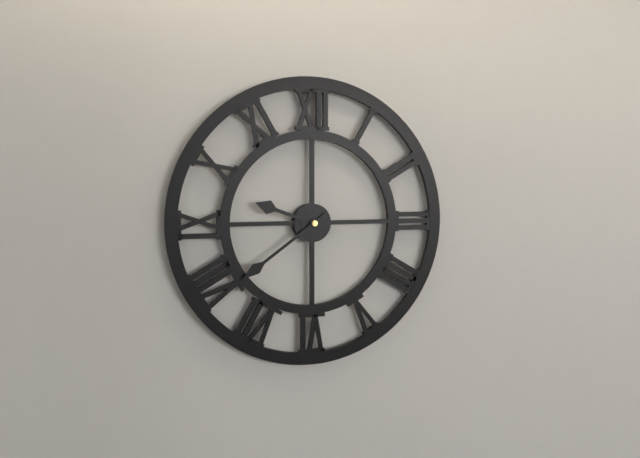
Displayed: **9:39**
